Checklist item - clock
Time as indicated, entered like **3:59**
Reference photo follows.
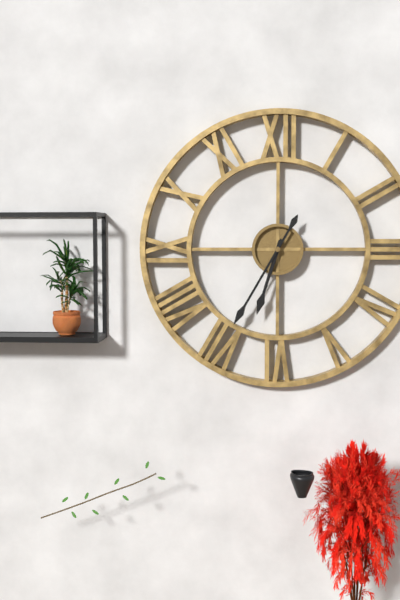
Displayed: **6:35**
